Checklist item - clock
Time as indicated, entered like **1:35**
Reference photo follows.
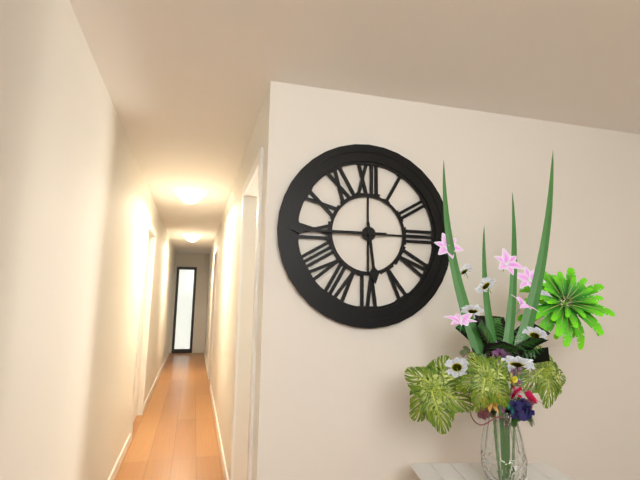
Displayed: **5:45**
